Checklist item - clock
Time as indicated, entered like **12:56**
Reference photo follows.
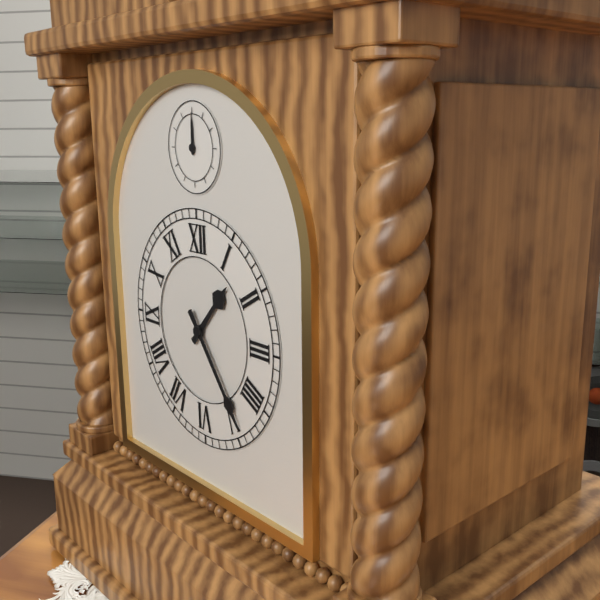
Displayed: **1:24**
